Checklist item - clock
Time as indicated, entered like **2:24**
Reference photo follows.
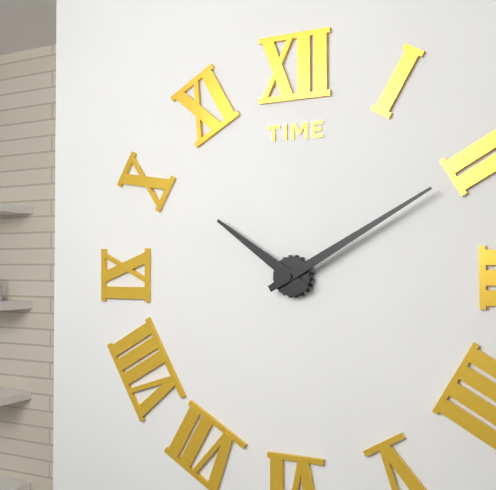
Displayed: **10:10**
